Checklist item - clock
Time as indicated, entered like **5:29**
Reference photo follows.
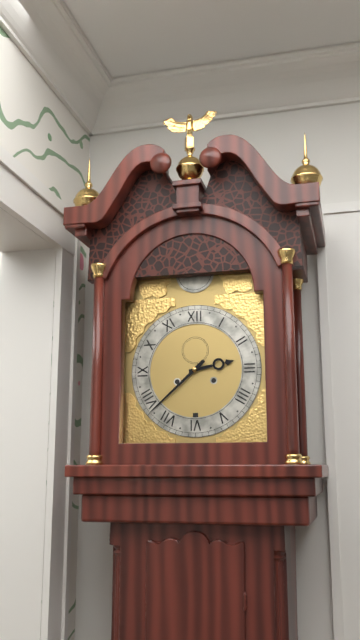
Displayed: **2:38**
